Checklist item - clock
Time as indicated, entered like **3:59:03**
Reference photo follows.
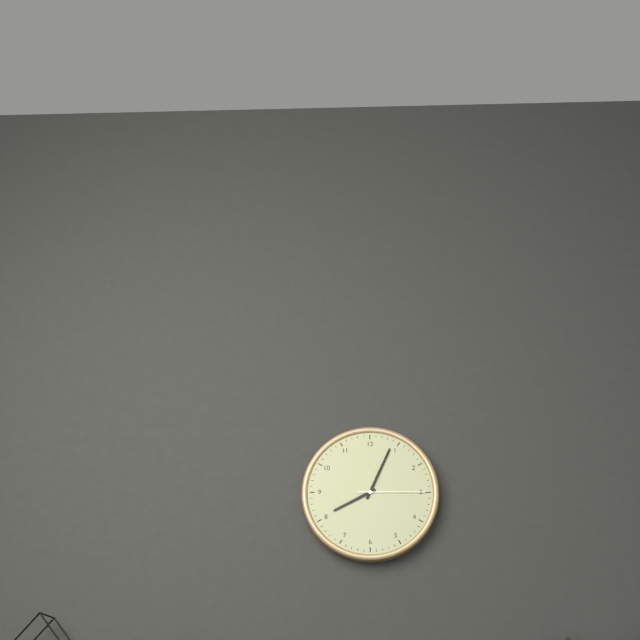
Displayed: **8:04:15**
